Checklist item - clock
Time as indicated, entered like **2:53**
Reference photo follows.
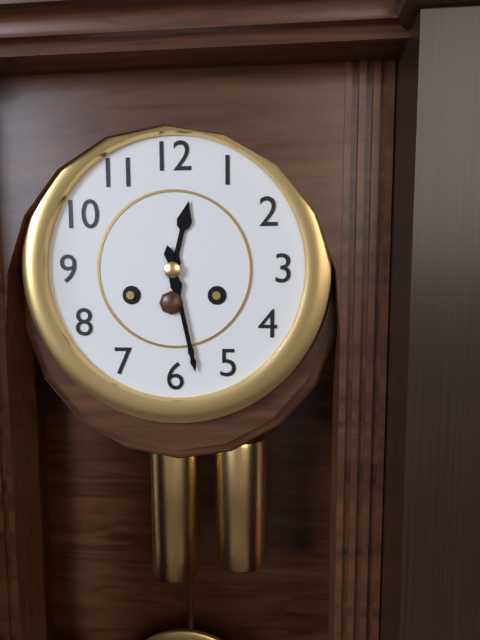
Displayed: **12:28**
